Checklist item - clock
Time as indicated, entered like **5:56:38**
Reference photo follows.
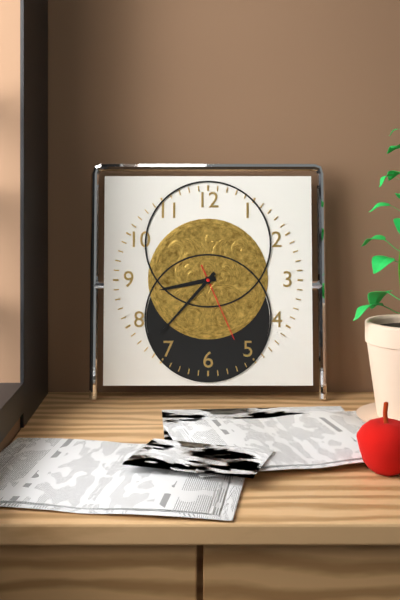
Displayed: **8:37:26**
